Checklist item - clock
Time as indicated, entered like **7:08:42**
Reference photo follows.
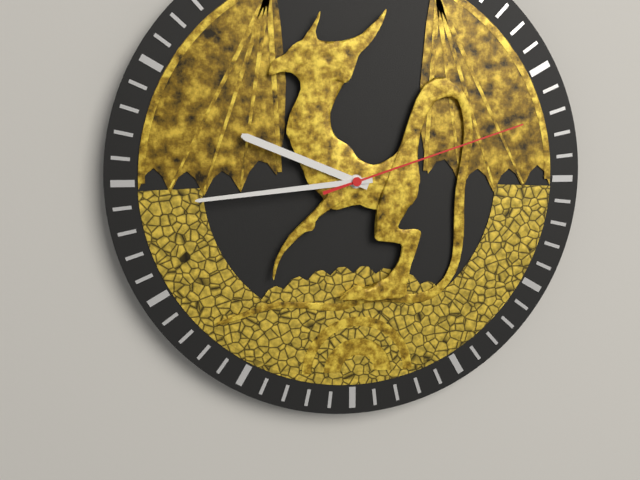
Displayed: **9:44:12**
